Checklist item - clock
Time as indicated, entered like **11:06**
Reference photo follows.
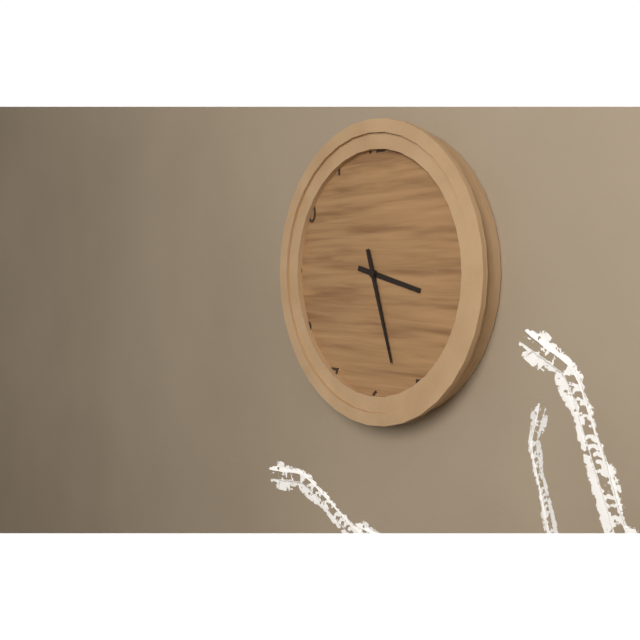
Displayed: **3:27**
